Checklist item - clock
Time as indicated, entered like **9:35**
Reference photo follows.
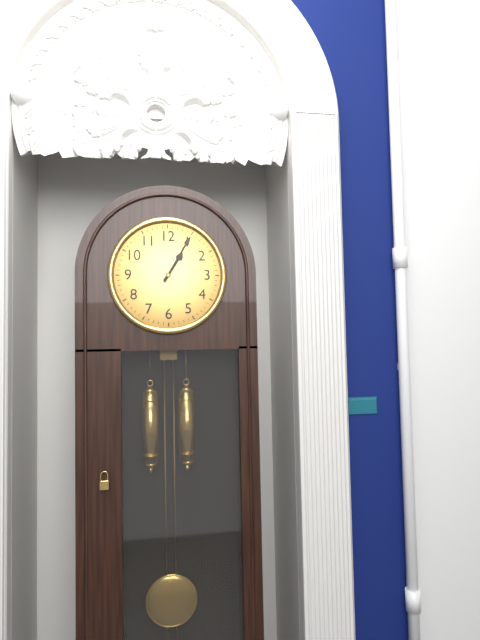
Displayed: **1:05**
